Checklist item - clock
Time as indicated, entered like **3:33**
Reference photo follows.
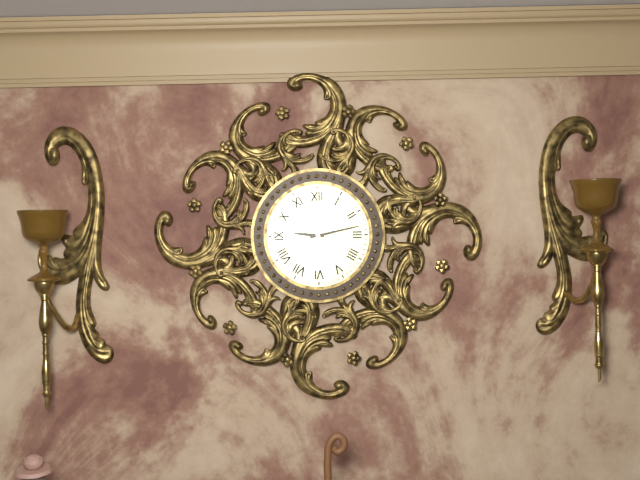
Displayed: **9:13**
